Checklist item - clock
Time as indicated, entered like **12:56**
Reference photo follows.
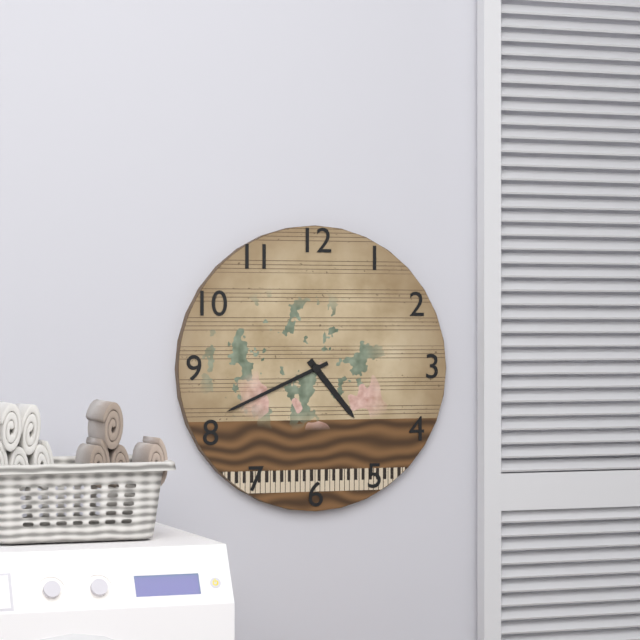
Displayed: **4:41**
